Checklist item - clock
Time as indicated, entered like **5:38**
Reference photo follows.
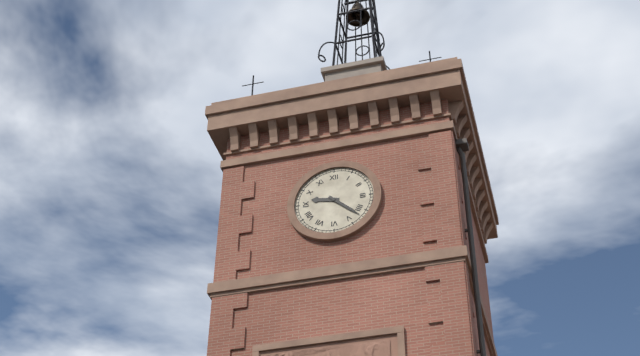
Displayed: **9:22**
